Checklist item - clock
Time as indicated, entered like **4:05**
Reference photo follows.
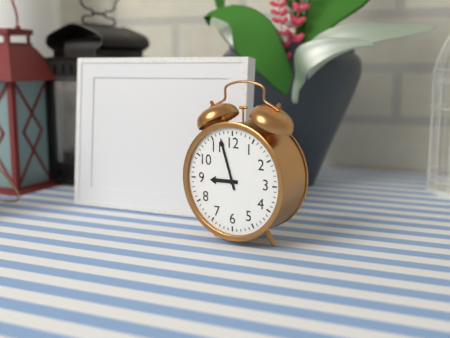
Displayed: **8:57**
